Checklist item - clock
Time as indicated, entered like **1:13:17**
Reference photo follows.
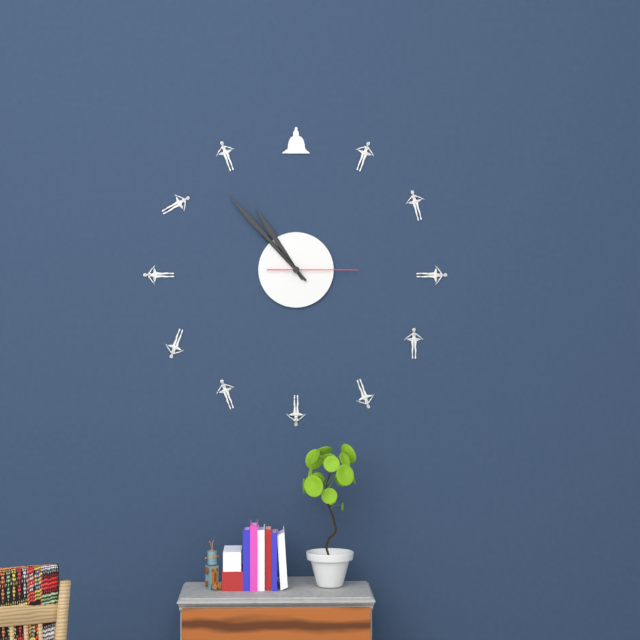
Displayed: **10:53:15**
